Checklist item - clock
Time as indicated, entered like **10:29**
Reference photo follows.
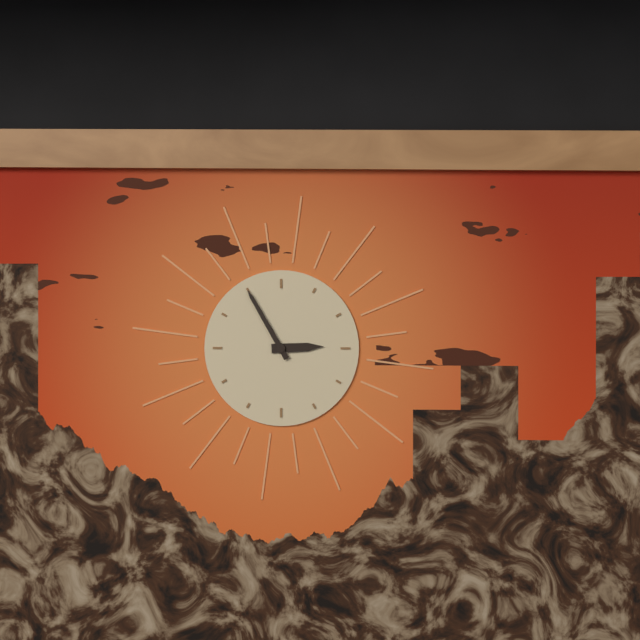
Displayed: **2:55**
